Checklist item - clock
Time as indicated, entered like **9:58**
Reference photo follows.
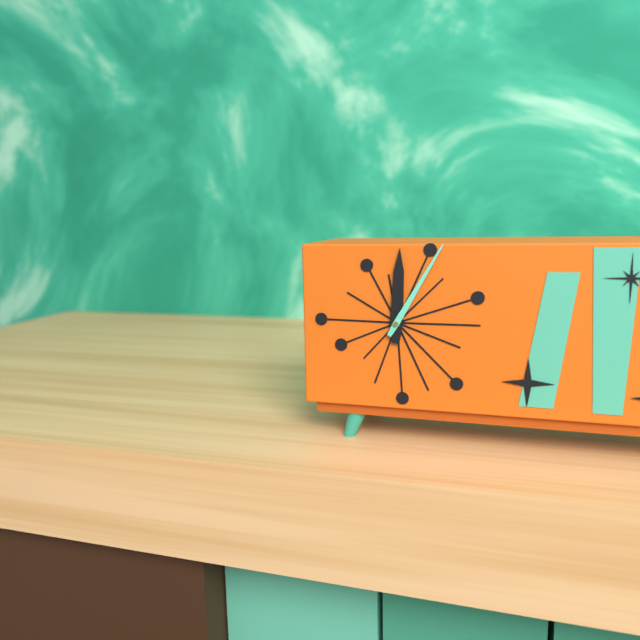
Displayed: **12:05**
